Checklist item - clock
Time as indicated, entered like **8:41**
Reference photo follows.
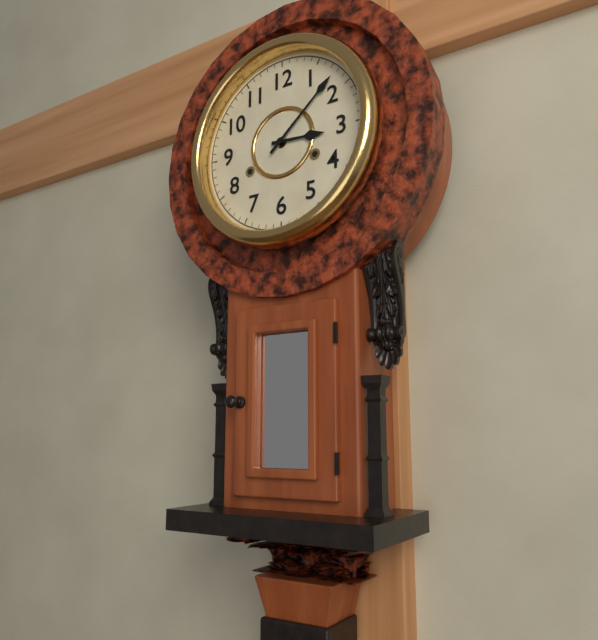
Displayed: **3:08**
